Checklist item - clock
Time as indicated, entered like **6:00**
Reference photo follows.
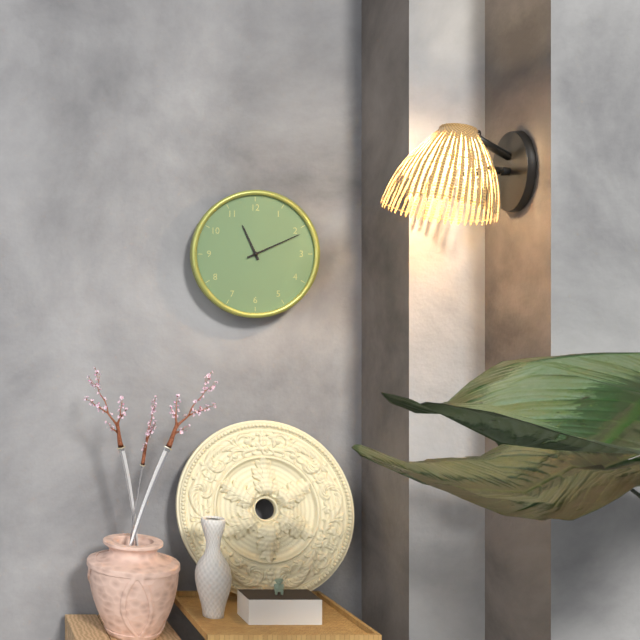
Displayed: **11:11**
